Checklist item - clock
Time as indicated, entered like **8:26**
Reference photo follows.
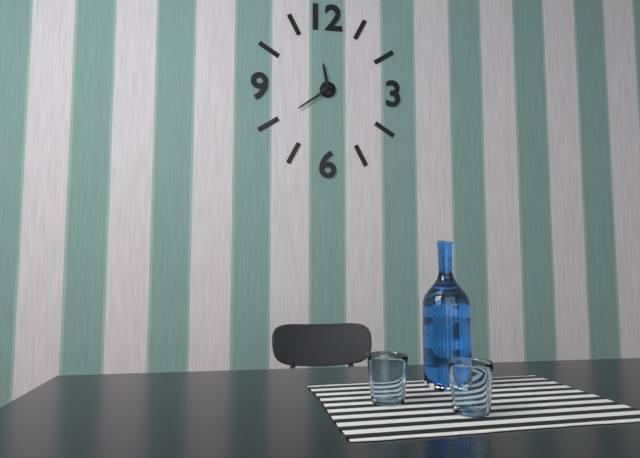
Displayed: **11:39**
